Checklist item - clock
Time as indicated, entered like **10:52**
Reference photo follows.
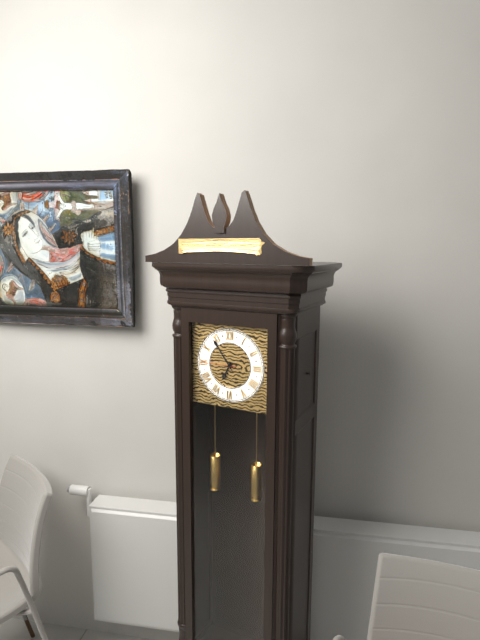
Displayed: **6:54**
